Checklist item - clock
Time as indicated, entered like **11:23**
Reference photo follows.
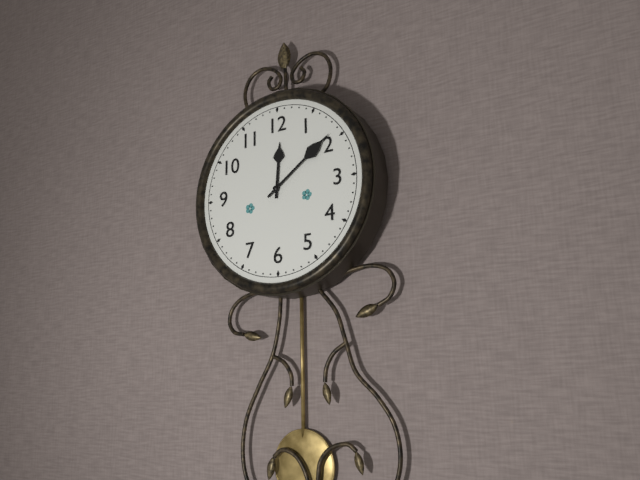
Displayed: **12:09**
